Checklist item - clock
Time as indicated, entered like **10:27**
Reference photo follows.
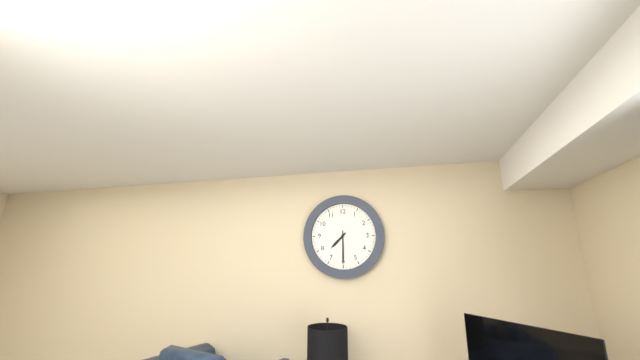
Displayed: **7:30**
